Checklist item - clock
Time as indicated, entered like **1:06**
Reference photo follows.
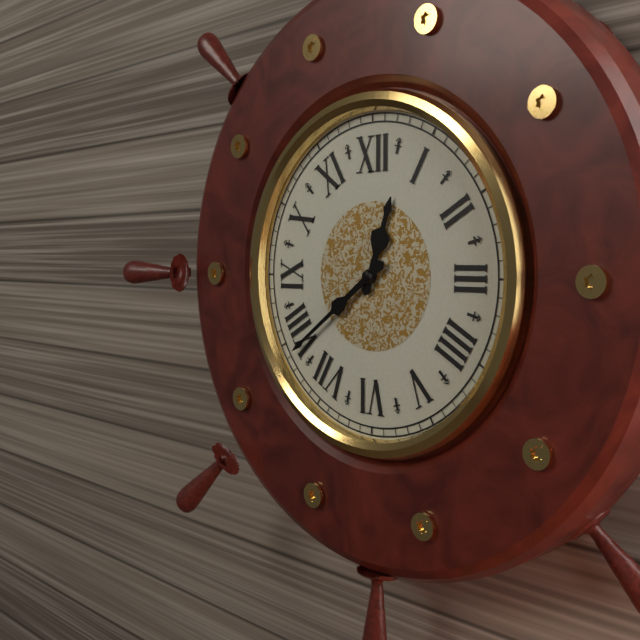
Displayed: **12:39**
